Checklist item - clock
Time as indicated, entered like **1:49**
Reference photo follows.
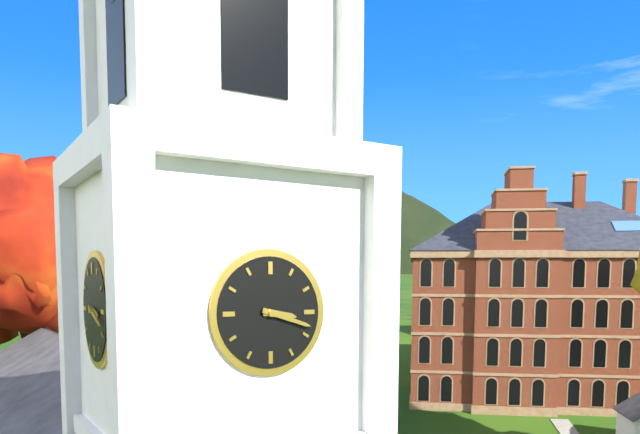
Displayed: **3:18**
